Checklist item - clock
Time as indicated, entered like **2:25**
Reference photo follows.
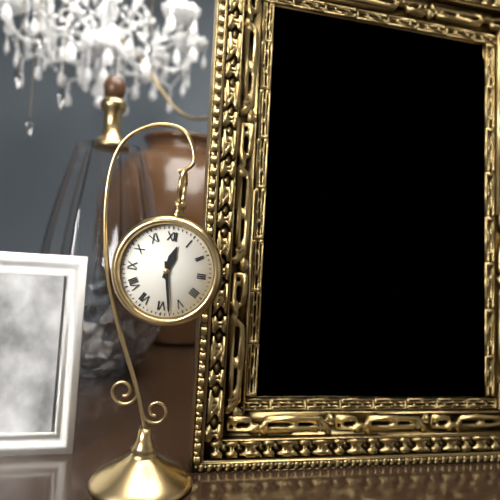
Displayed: **12:28**
